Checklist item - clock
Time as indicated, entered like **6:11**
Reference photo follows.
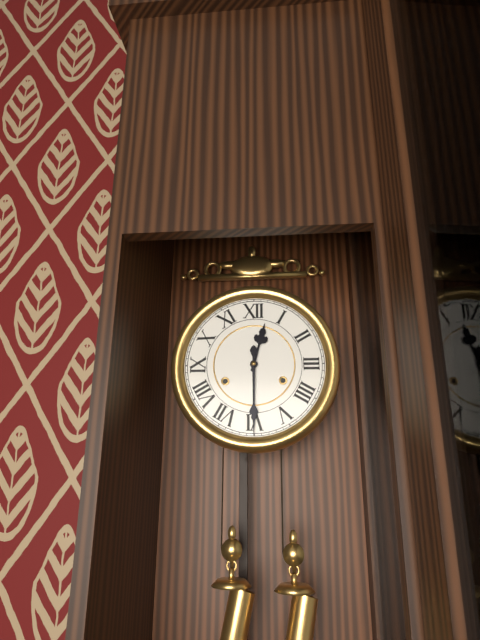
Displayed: **12:30**
